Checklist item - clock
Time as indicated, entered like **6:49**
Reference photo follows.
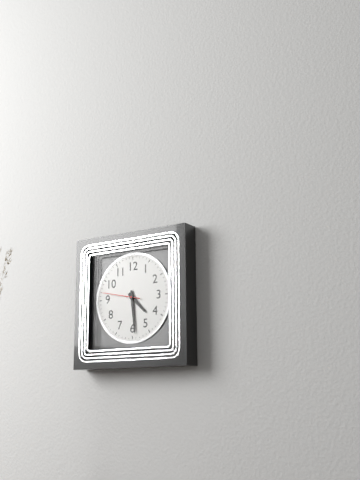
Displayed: **4:29**
